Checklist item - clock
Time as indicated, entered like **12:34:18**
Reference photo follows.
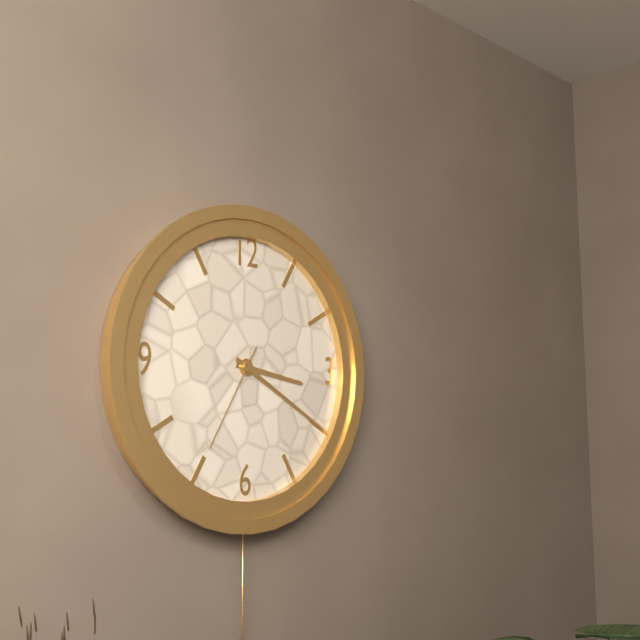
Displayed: **3:20:35**
